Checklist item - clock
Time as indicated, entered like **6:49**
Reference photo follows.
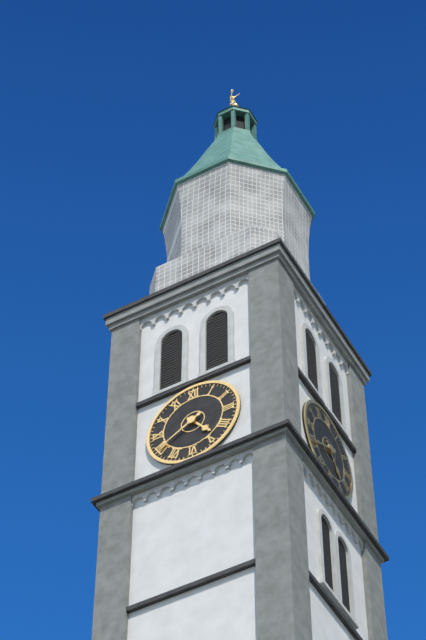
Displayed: **4:40**
